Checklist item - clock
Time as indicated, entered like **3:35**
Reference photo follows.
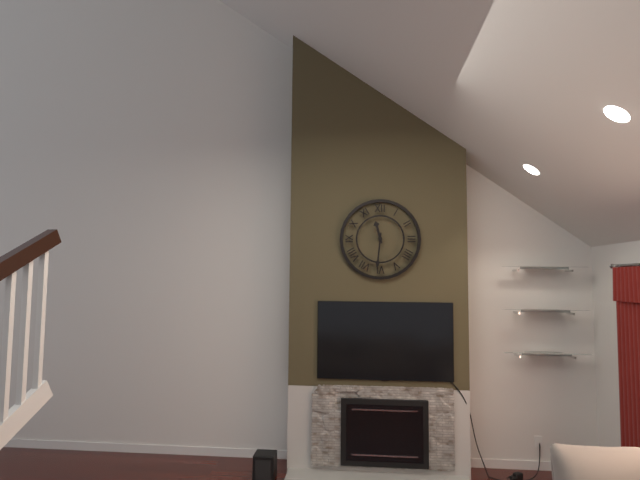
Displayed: **11:31**
